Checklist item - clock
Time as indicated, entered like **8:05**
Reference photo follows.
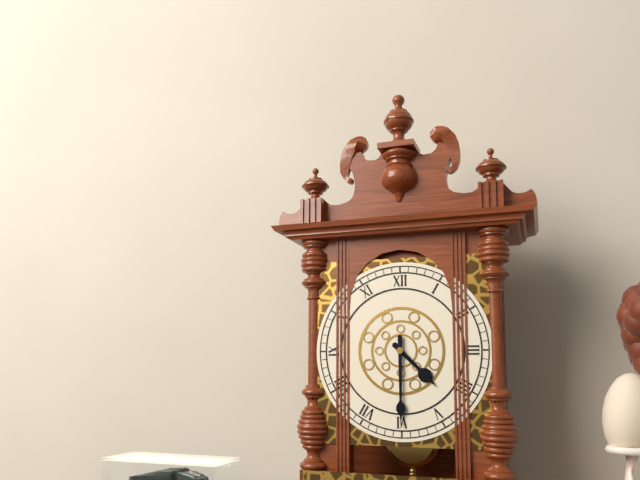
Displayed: **4:30**
